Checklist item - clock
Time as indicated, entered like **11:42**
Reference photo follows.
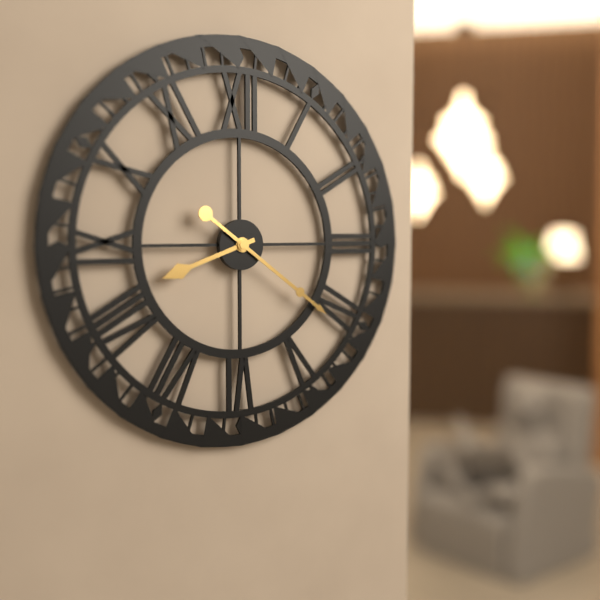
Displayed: **8:21**
